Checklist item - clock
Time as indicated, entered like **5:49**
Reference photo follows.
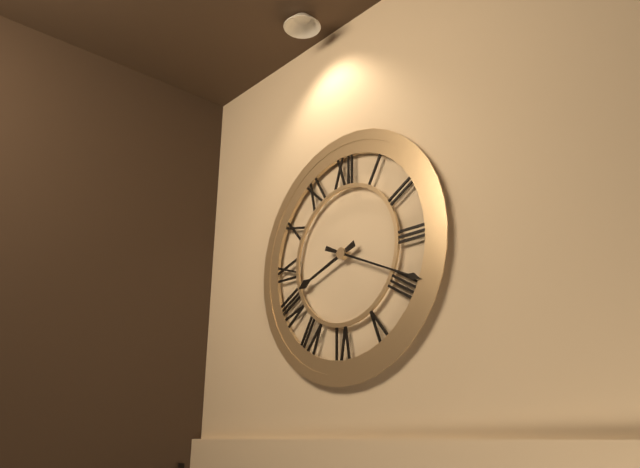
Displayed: **8:19**
